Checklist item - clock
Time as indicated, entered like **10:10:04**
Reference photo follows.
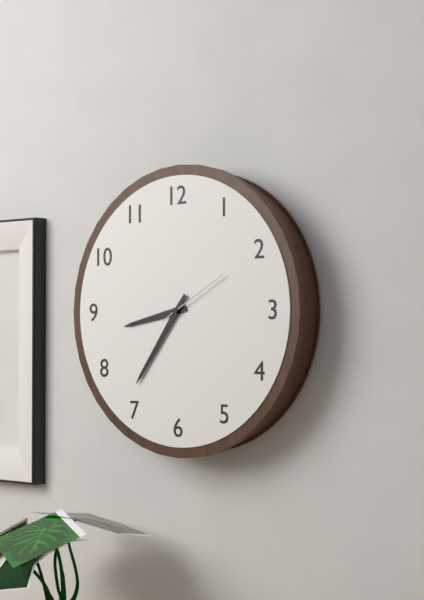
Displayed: **8:36:10**
